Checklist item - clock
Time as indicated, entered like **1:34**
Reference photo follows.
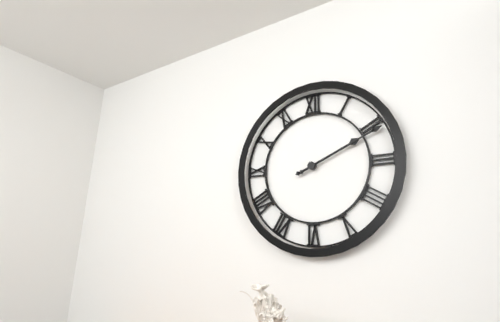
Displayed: **2:11**
